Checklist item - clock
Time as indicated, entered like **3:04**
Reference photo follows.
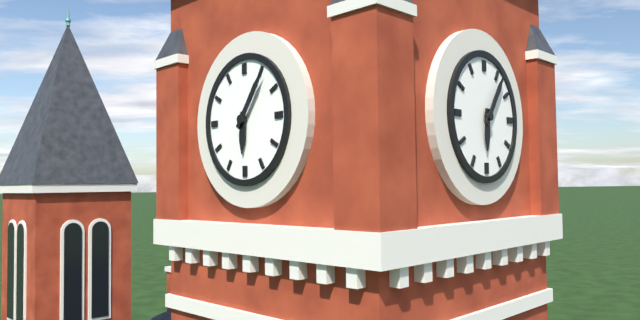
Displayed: **6:06**
